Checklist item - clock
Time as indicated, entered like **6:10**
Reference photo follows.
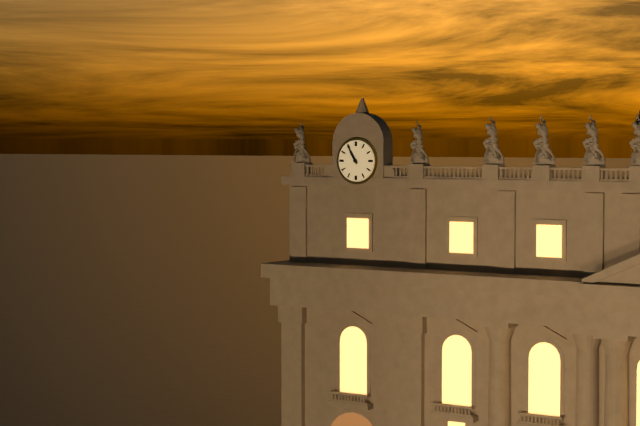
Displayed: **10:55**
